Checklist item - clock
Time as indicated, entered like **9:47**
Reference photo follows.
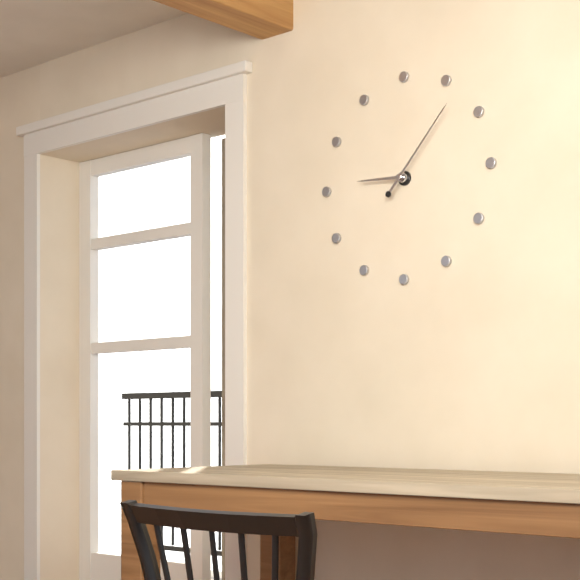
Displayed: **9:07**
